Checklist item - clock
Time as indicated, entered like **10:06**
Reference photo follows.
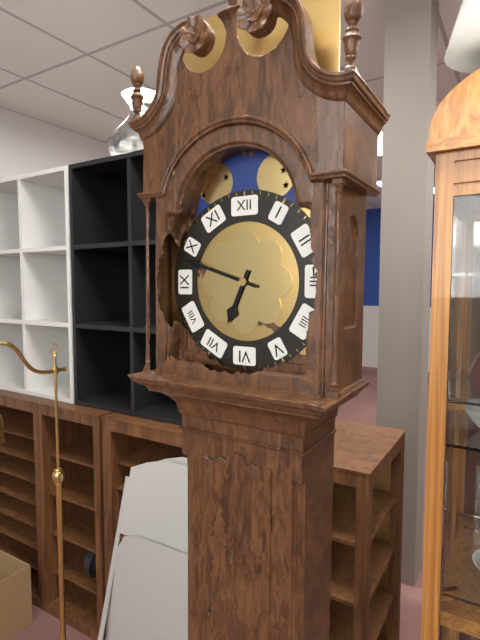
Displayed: **6:48**
